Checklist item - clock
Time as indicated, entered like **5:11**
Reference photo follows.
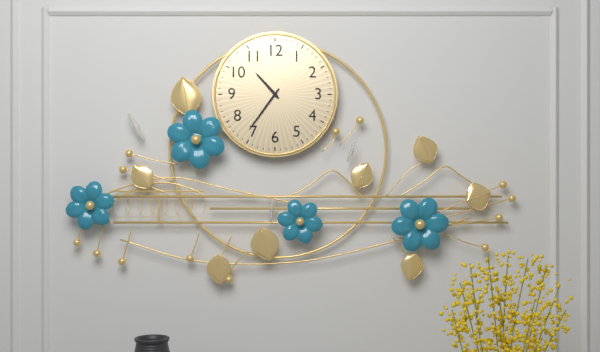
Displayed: **10:36**
